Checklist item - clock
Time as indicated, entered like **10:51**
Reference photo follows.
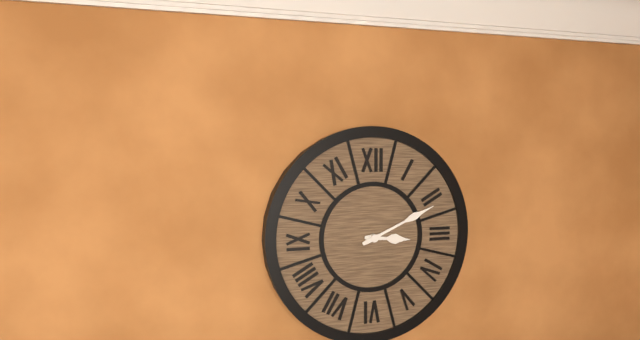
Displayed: **3:11**
